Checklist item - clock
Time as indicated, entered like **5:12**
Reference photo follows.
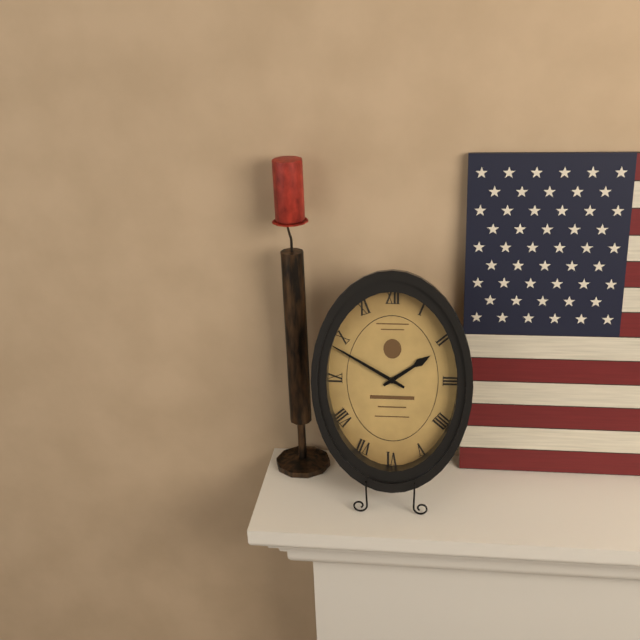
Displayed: **1:50**
